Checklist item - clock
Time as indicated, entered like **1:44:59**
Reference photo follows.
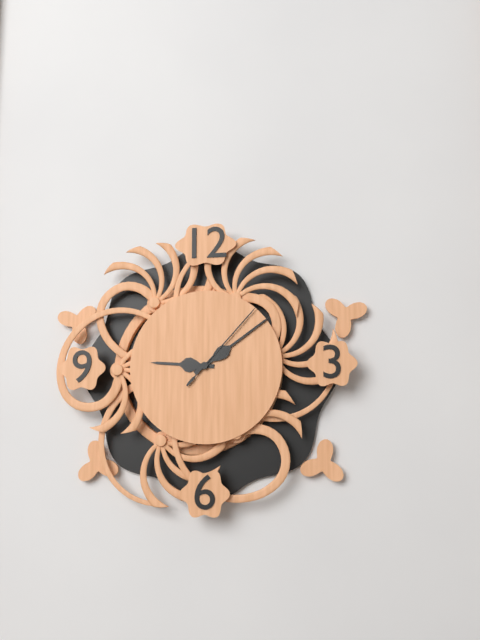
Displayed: **9:09:07**
